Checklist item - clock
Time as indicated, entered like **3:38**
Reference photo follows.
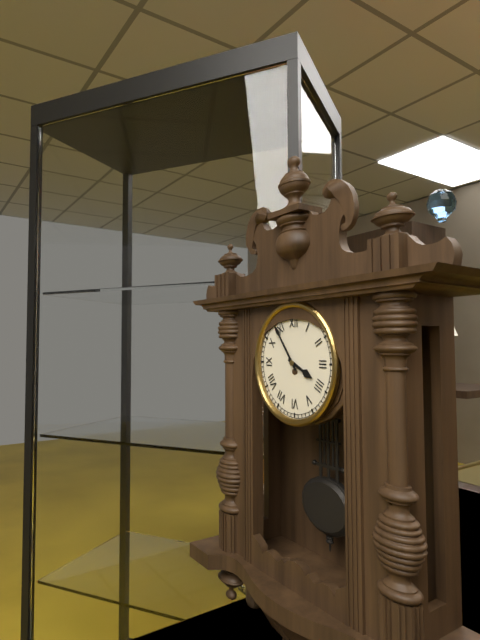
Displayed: **3:54**
